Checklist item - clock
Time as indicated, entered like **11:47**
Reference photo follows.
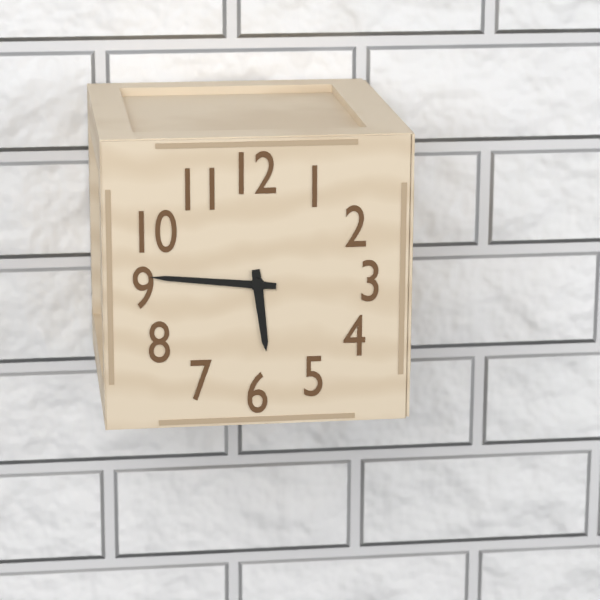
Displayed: **5:46**
